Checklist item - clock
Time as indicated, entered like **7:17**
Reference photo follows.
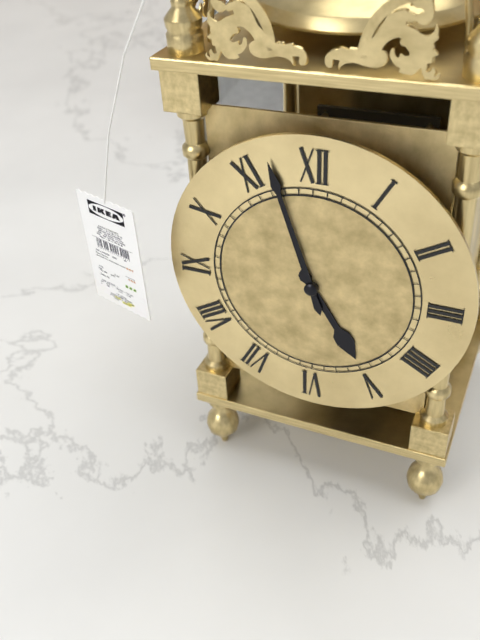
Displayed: **4:57**
